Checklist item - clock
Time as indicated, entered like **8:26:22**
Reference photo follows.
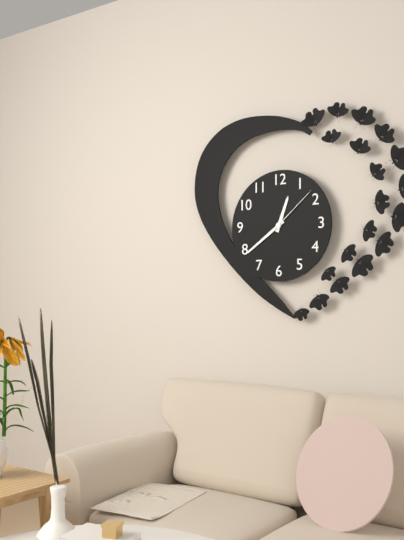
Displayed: **12:39:08**
